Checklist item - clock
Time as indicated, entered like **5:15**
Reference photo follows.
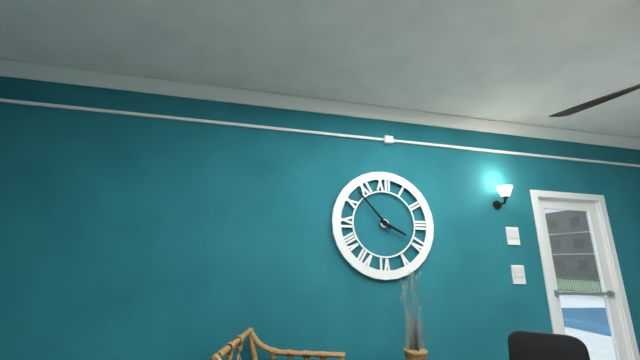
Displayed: **3:53**
